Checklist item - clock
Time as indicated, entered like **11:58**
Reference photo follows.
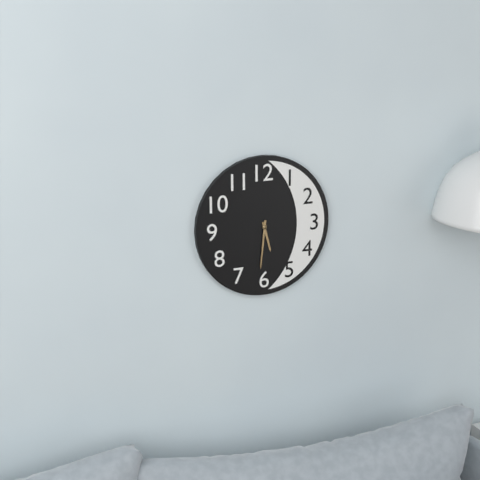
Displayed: **5:31**
